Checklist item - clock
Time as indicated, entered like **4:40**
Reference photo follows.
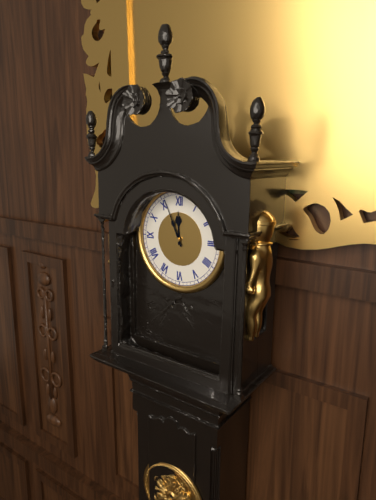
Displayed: **11:56**
